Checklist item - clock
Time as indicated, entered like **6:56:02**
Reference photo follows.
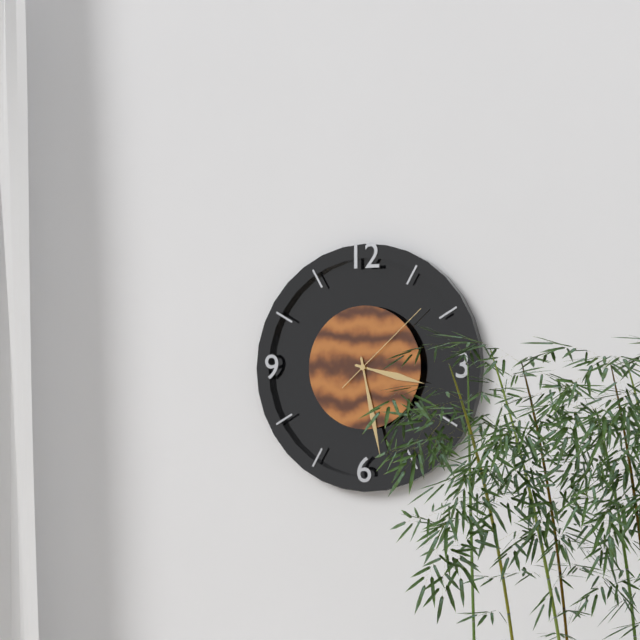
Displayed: **3:28:08**
